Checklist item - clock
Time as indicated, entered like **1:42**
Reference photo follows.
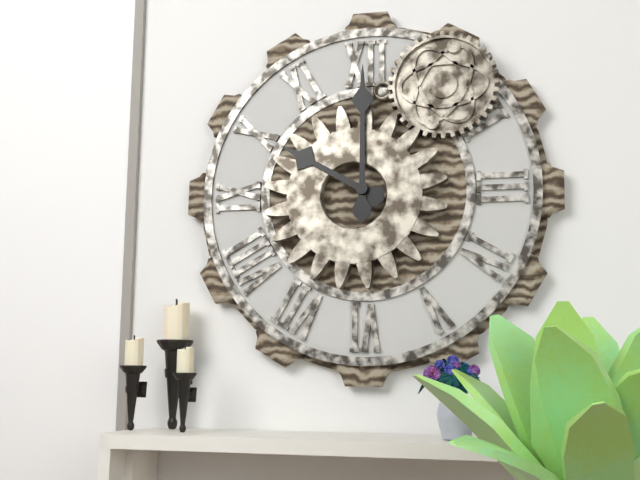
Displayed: **10:00**
